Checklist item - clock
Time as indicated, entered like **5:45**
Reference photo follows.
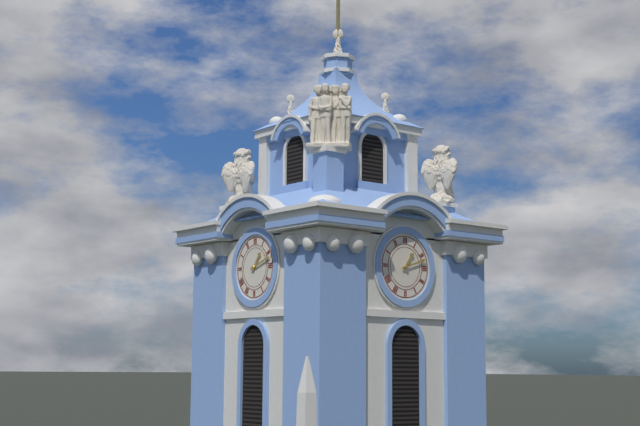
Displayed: **1:12**
